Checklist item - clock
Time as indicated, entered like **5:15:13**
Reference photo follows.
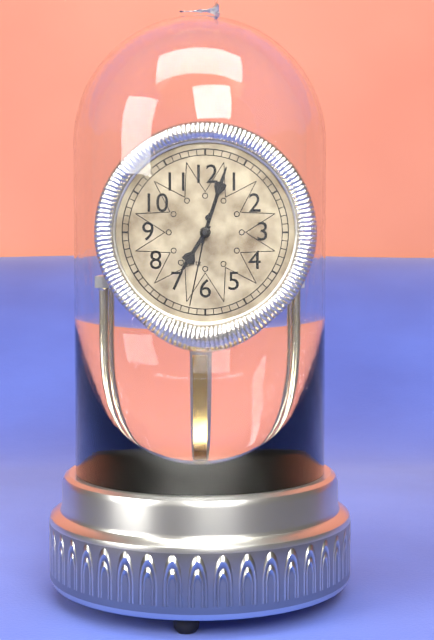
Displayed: **7:03:32**
